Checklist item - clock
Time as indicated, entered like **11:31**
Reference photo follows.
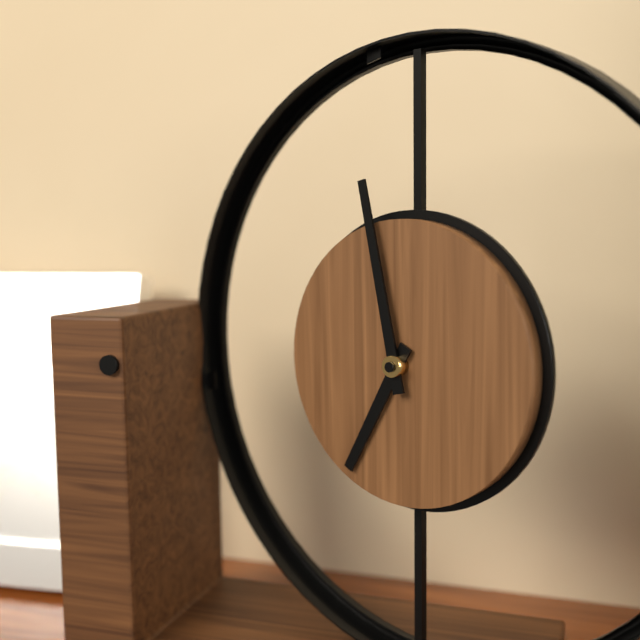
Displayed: **6:58**
